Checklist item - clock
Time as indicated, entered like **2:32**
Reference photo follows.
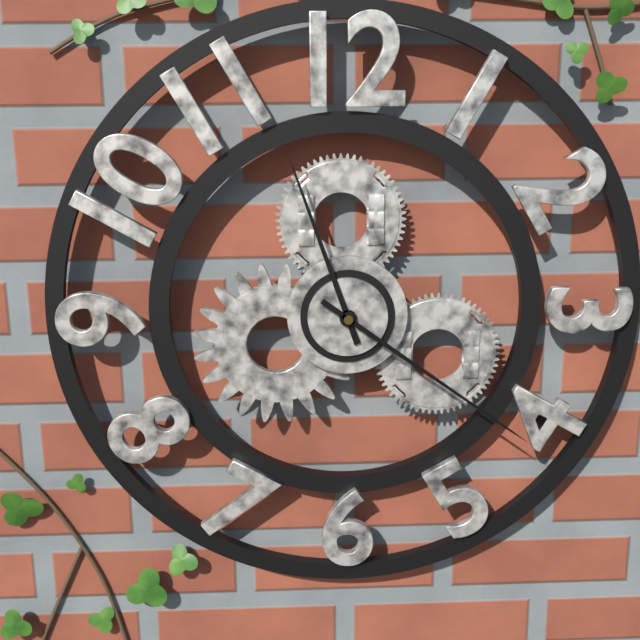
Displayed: **11:21**
